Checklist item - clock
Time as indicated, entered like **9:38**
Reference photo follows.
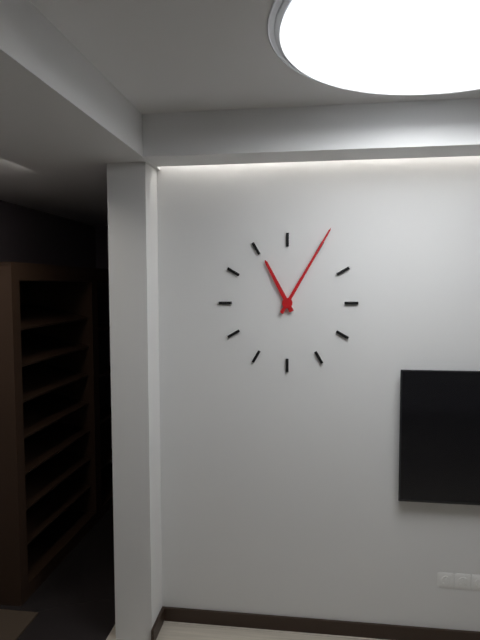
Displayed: **11:05**
